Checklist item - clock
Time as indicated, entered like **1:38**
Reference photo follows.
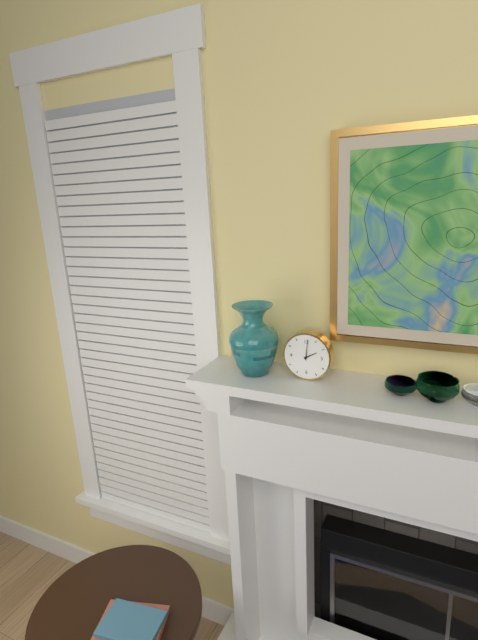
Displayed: **2:01**
